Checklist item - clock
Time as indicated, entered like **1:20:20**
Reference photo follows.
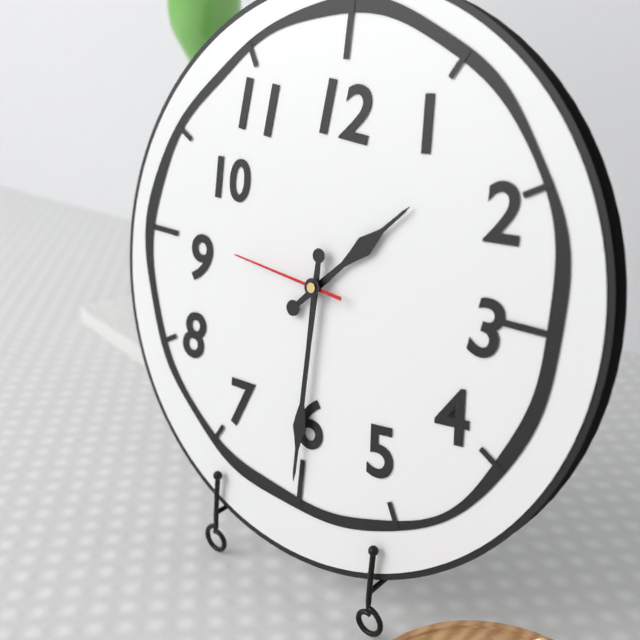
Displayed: **1:30:46**
